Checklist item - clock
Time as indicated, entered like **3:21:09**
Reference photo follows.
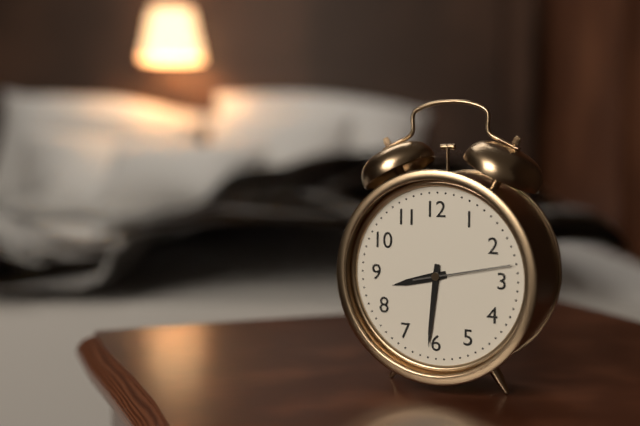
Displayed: **8:31:13**
